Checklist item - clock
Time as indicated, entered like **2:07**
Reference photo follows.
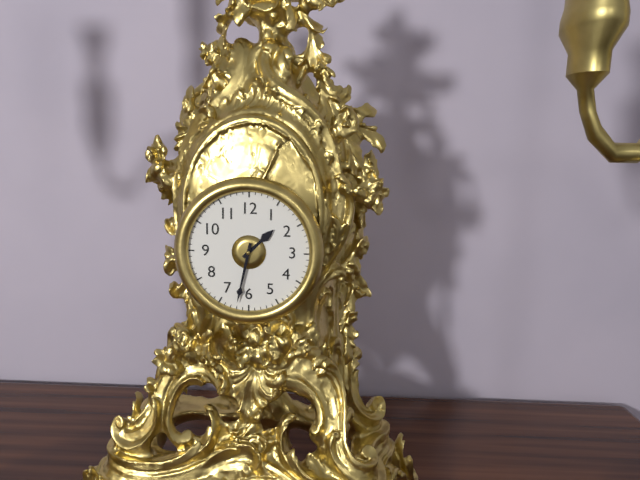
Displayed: **1:32**
